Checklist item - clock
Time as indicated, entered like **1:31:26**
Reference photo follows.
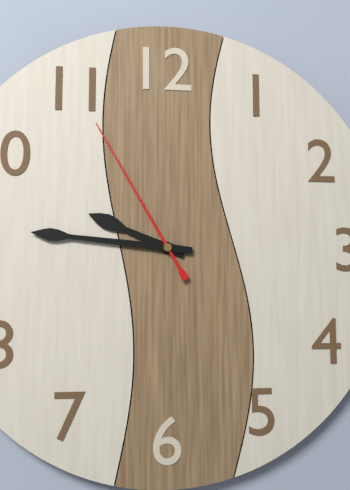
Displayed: **9:46:55**
